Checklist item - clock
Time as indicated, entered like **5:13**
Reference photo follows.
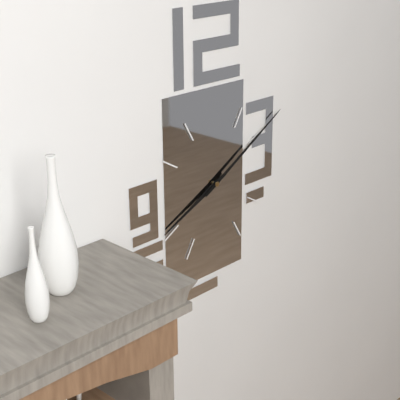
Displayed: **8:10**
